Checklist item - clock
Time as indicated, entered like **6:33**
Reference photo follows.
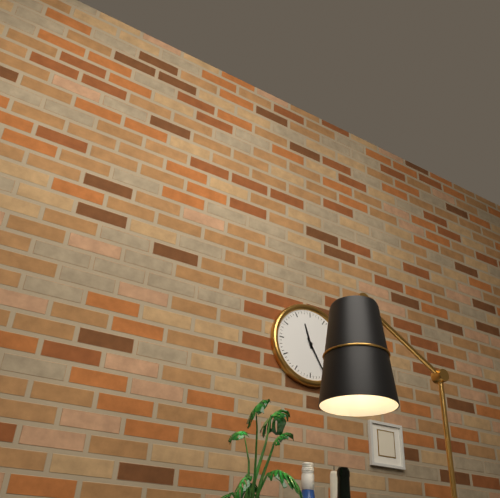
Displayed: **11:25**
